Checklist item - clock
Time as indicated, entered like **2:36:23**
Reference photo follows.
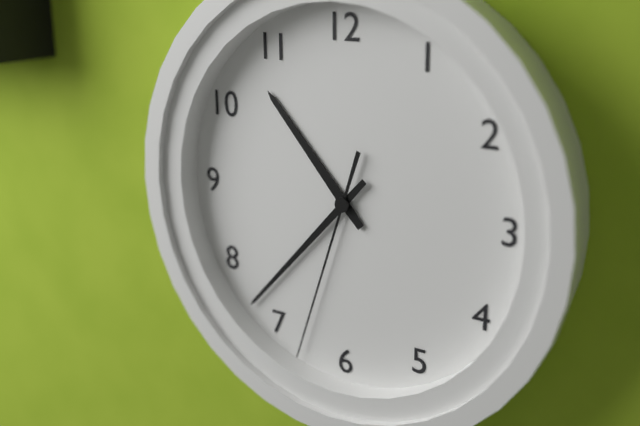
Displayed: **10:37:33**
